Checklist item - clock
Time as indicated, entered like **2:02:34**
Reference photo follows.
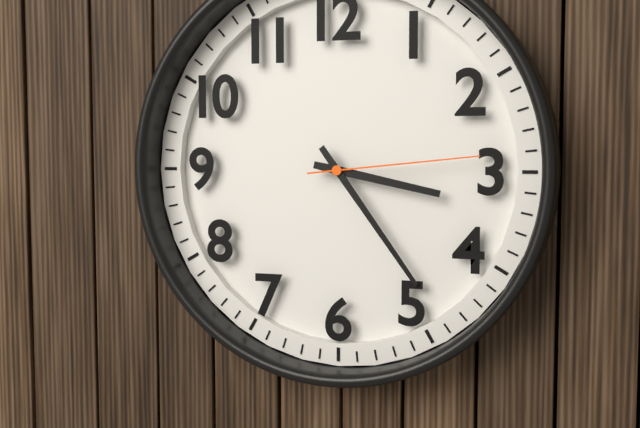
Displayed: **3:24:14**
